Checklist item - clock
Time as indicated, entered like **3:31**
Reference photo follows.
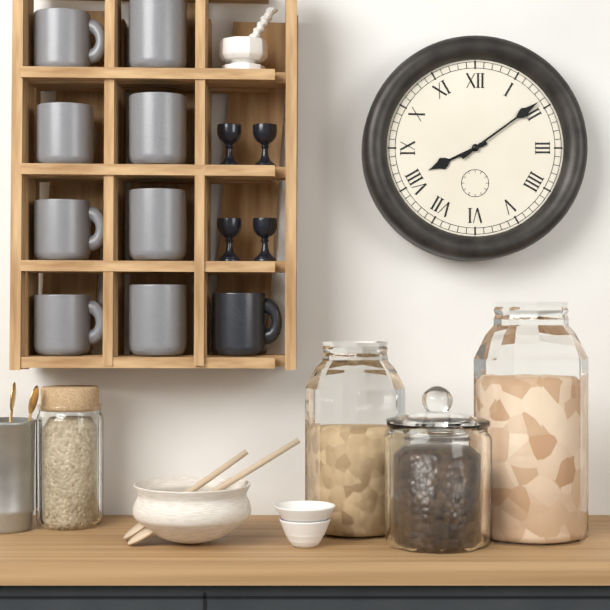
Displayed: **8:09**
